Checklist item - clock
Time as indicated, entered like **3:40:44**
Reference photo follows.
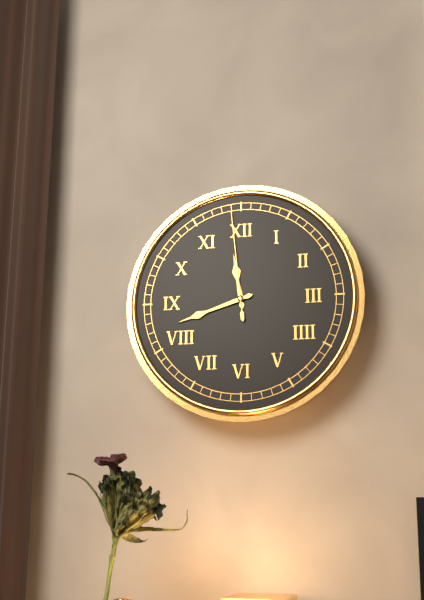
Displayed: **11:42:59**
